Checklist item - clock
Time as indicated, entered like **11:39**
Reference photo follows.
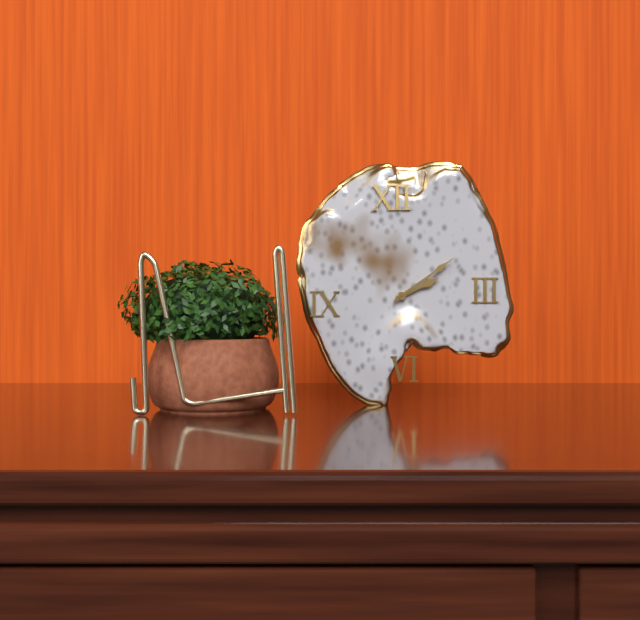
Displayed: **2:09**
